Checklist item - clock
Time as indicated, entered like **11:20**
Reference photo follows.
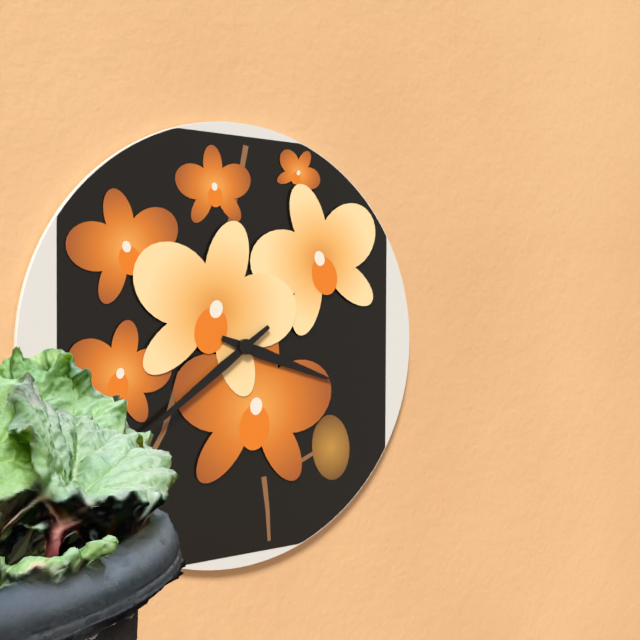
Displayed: **3:39**
